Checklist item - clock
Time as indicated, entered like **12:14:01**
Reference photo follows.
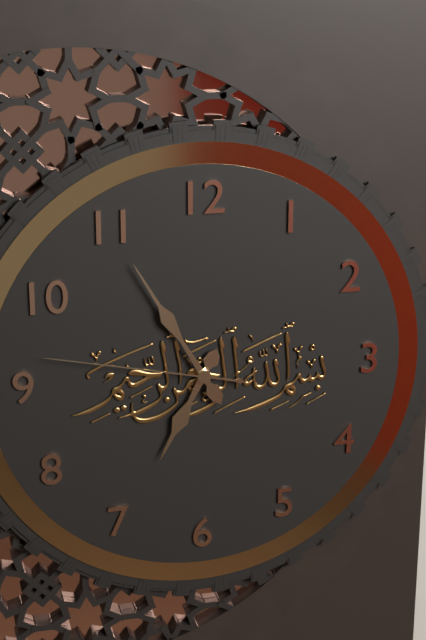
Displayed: **6:55:47**
